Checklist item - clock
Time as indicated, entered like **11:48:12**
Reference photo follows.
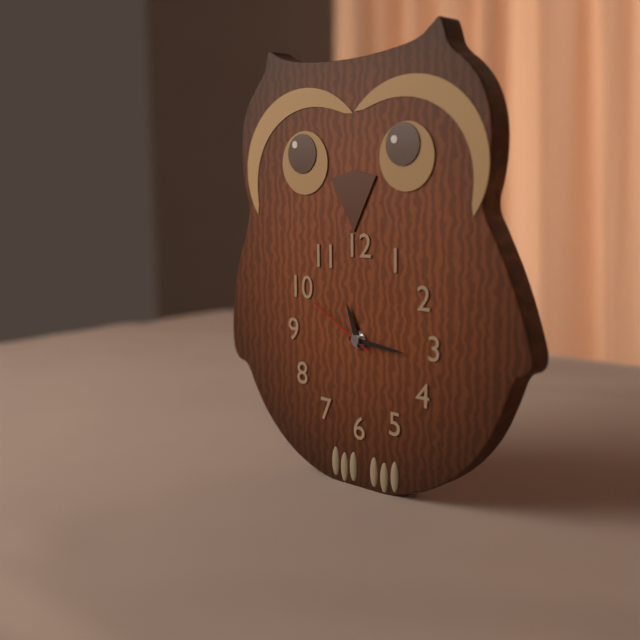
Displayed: **11:16:50**
